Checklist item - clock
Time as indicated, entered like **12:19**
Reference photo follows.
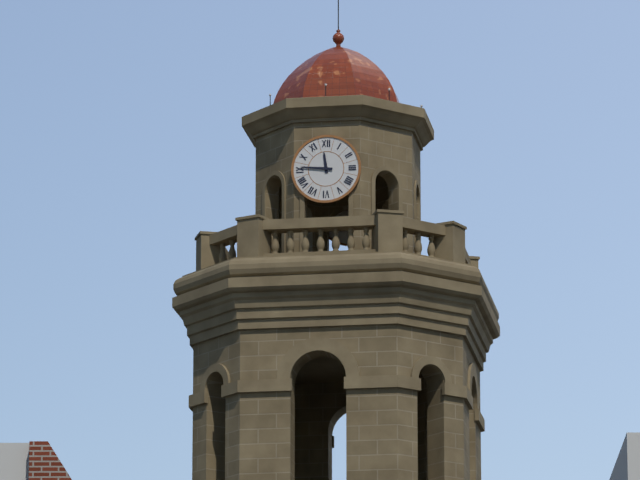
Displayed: **11:46**
